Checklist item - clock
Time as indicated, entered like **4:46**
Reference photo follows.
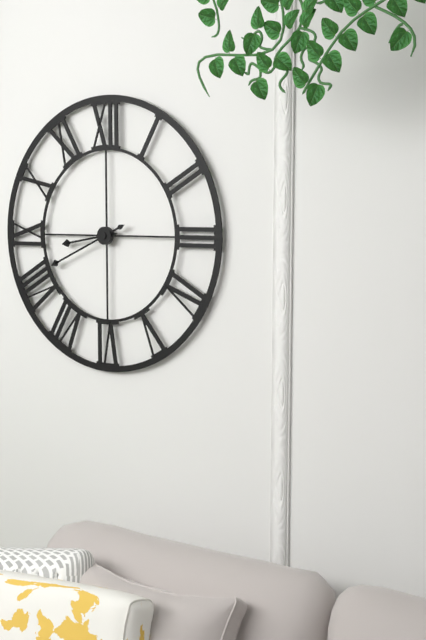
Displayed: **8:41**
